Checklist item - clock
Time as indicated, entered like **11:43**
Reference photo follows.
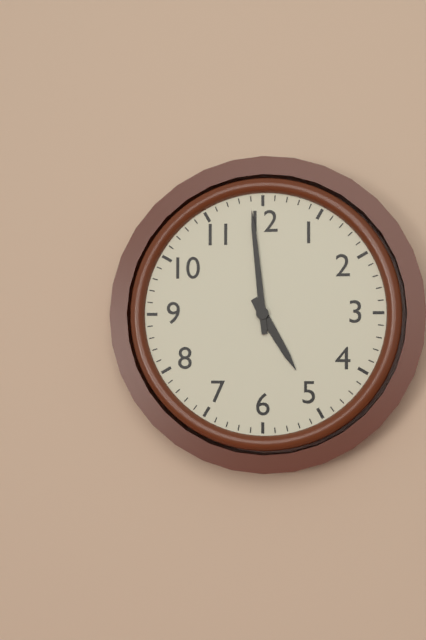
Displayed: **4:59**
